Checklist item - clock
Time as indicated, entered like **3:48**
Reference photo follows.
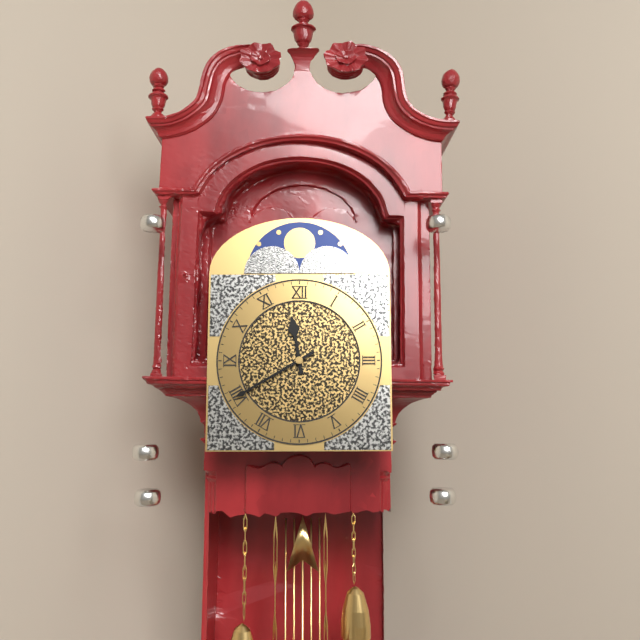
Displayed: **11:40**
